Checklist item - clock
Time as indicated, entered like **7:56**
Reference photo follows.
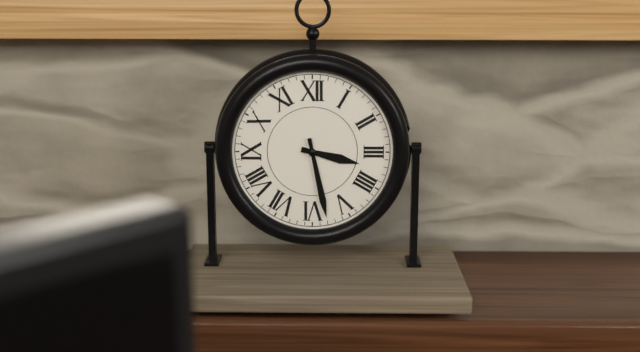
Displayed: **3:28**
